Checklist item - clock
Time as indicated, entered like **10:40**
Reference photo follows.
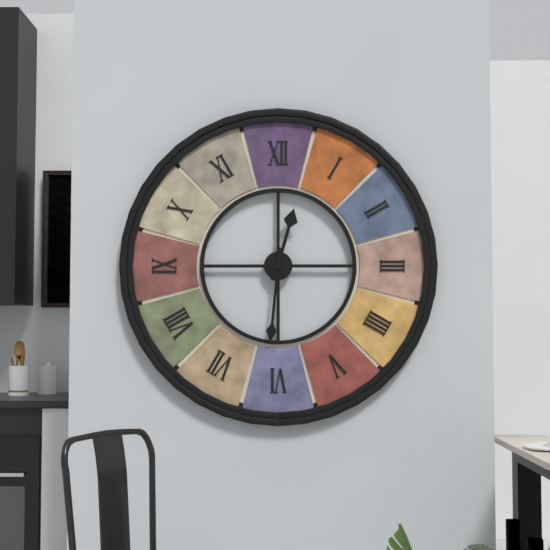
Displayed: **12:31**
